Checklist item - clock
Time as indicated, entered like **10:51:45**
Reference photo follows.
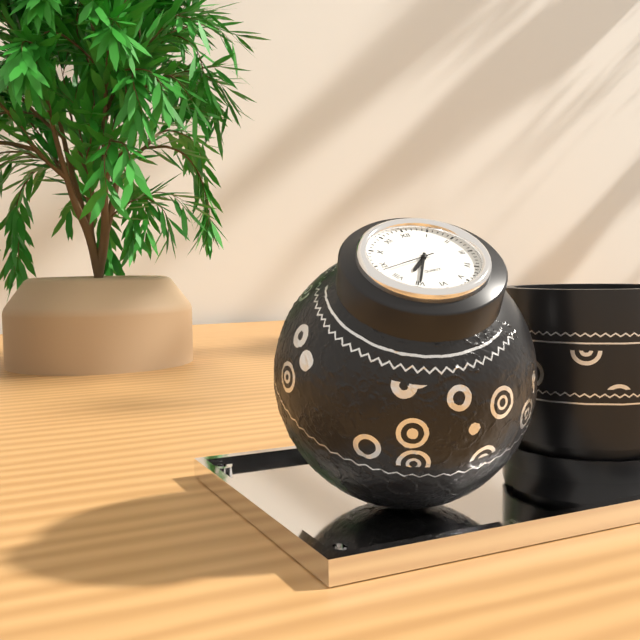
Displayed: **7:35:43**
